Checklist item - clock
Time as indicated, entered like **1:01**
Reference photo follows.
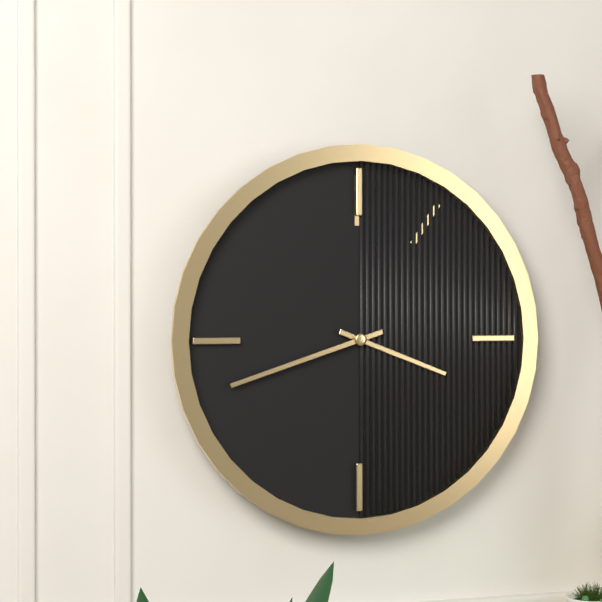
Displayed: **3:42**
